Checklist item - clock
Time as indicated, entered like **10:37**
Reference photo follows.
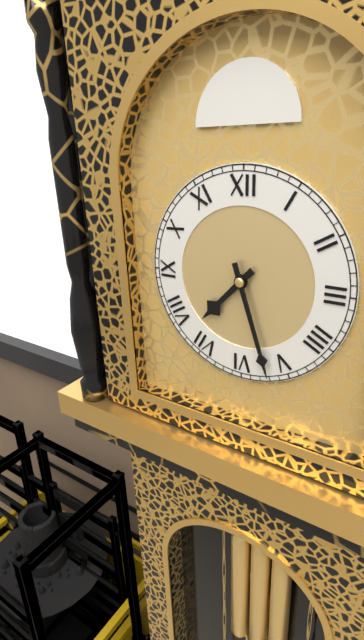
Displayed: **7:27**
